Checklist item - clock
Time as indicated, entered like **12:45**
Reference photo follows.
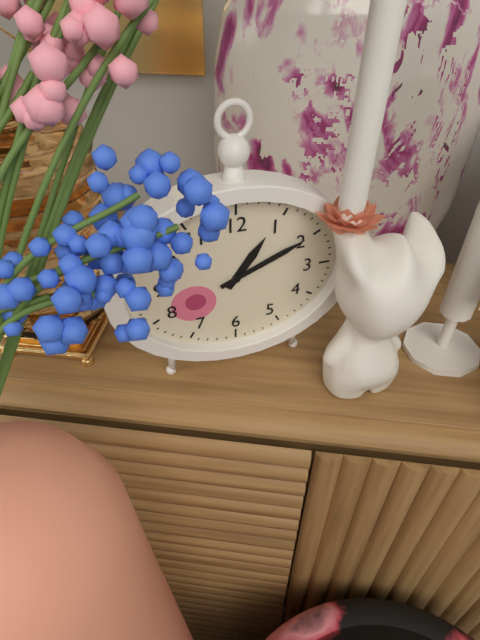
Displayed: **1:11**
